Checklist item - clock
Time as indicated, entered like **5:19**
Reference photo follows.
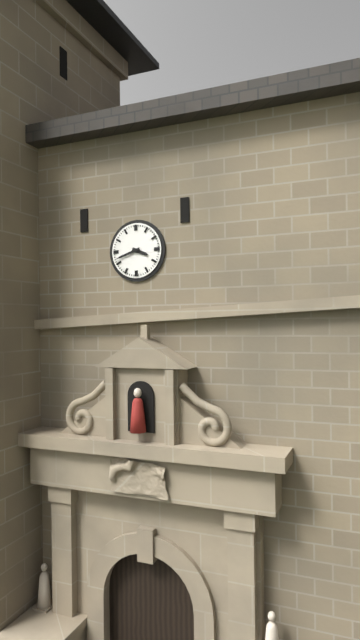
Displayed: **3:42**
